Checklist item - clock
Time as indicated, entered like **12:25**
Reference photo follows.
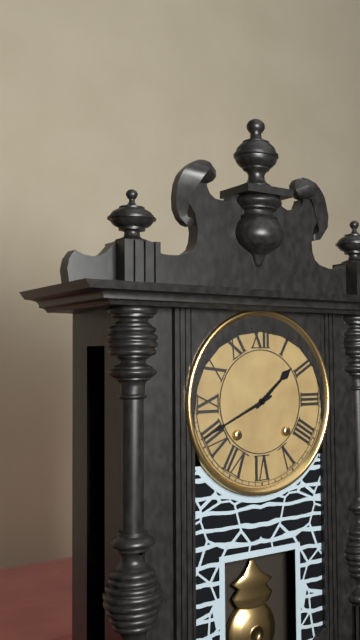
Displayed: **1:41**
